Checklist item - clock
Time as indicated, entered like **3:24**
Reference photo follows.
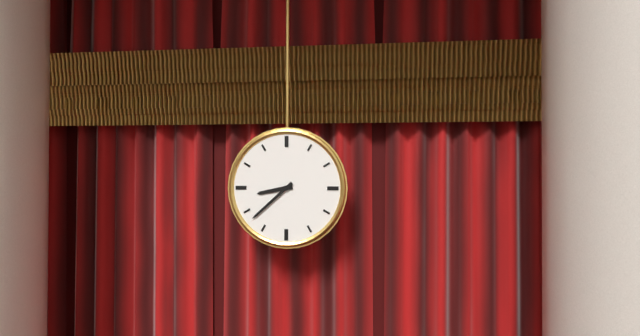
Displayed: **8:38**
